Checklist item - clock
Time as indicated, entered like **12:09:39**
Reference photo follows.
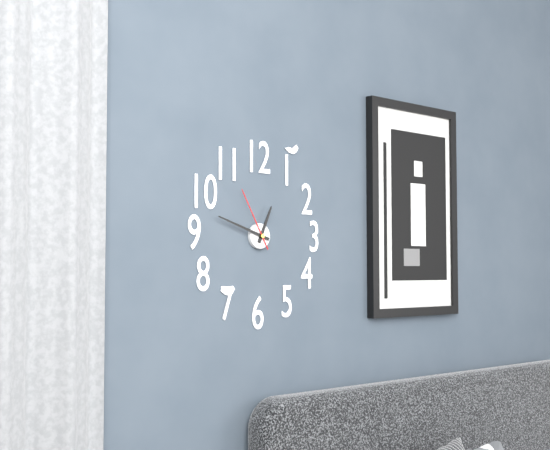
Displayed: **12:48:55**
